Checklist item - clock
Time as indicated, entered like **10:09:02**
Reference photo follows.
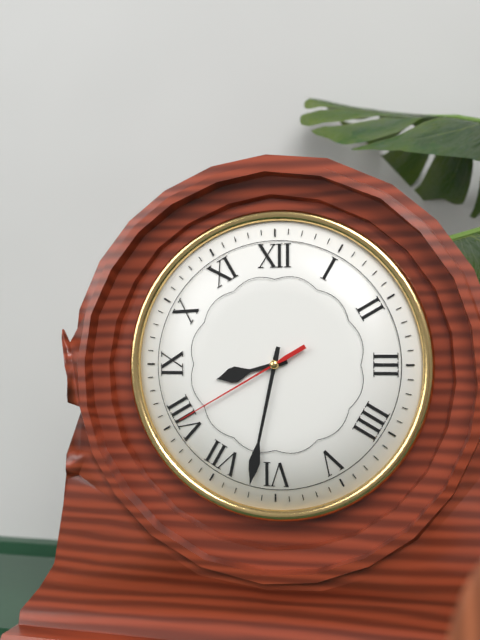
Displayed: **8:32:40**
